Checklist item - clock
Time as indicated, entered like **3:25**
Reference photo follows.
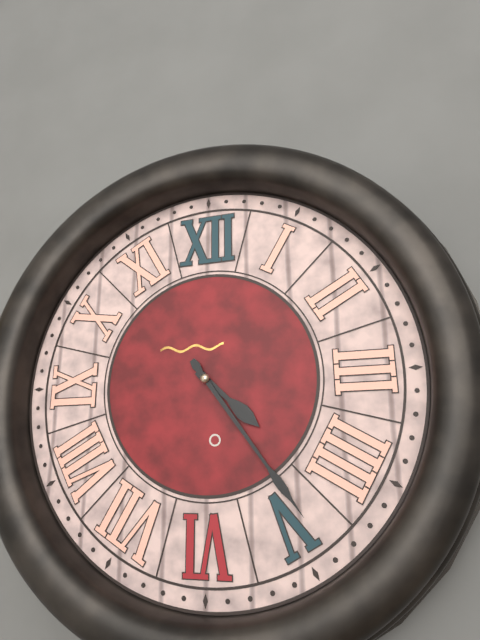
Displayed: **4:24**
